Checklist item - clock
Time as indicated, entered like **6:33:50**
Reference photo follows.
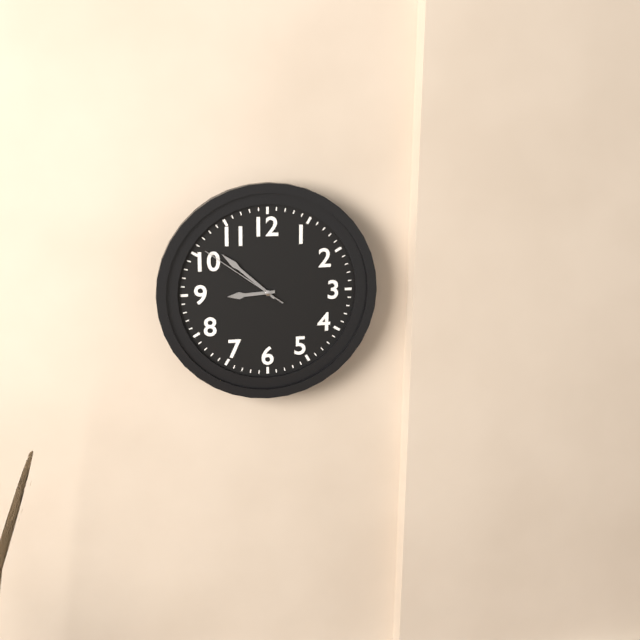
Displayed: **8:52:51**
